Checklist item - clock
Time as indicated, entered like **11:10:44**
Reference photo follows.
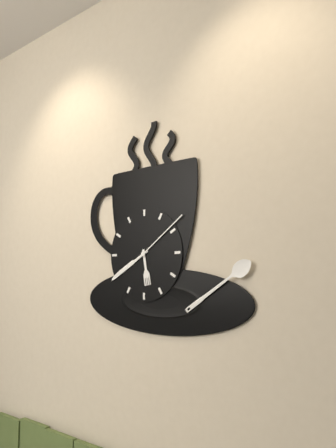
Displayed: **5:40:09**
